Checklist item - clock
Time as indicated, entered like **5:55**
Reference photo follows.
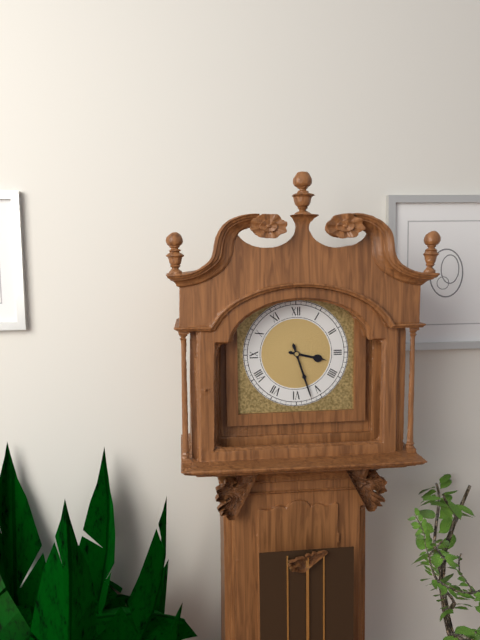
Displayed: **3:27**
